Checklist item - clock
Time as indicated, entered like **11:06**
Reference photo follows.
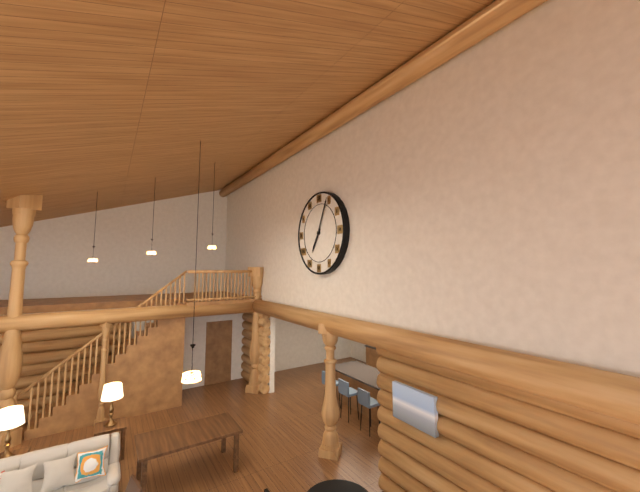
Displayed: **7:04**
